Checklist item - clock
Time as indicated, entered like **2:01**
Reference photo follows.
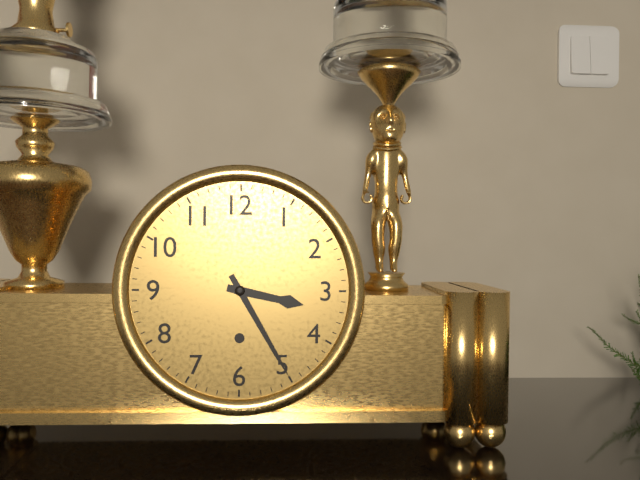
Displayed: **3:25**
